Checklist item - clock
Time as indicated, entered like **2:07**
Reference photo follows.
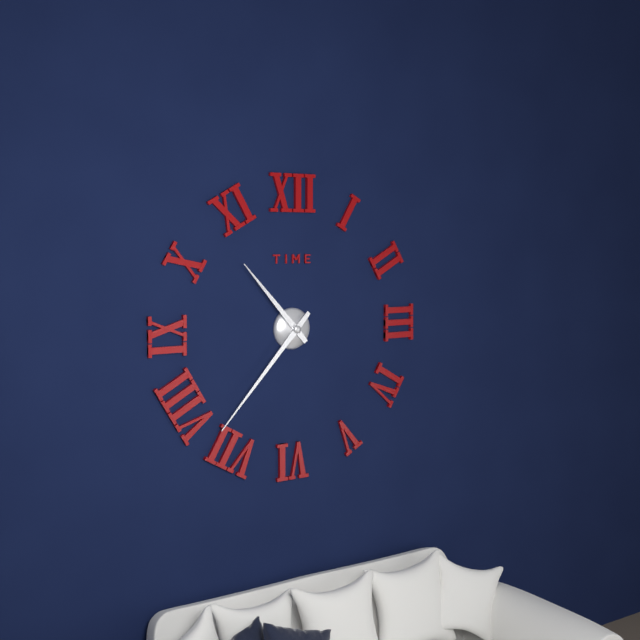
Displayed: **10:37**
